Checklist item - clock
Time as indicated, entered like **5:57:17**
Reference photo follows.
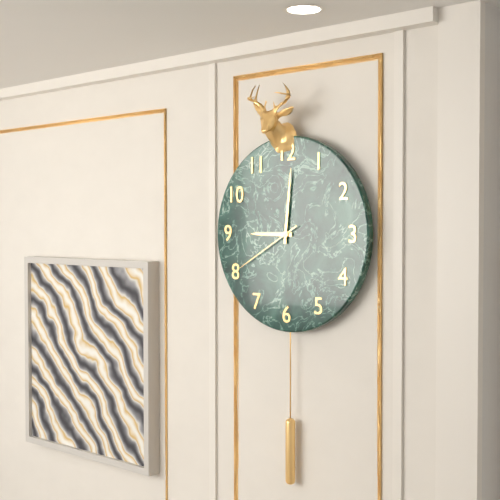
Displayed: **9:01:40**
